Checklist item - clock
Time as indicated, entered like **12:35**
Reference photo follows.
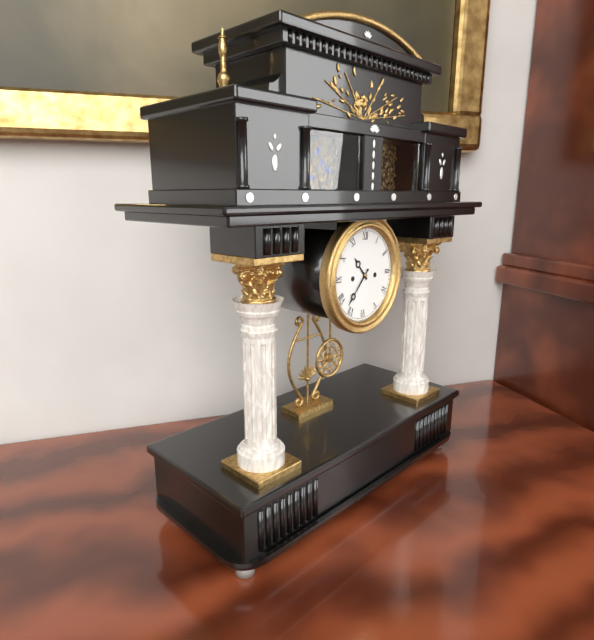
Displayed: **10:37**
